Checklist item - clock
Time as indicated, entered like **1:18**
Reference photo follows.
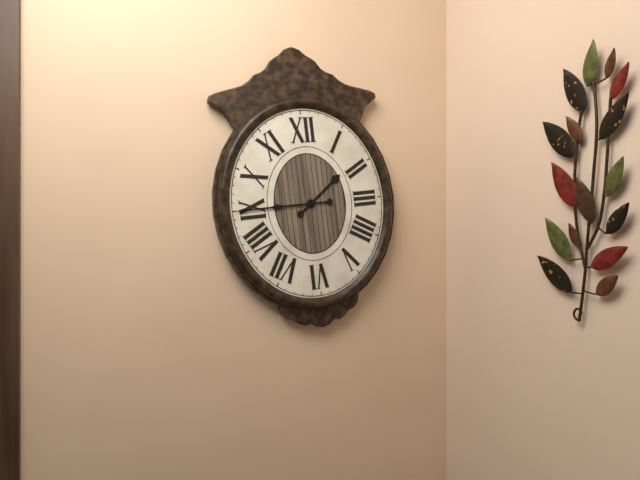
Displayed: **1:45**
